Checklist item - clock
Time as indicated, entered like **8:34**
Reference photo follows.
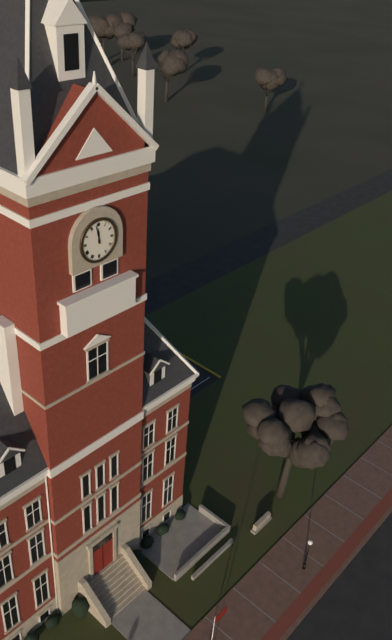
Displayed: **11:58**
